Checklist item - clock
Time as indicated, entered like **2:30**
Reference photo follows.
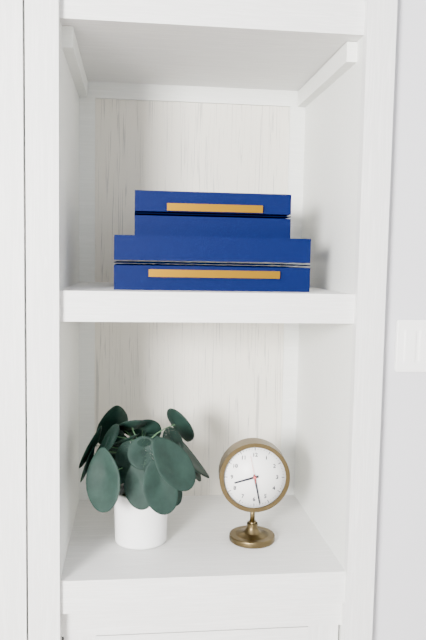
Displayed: **8:28**
